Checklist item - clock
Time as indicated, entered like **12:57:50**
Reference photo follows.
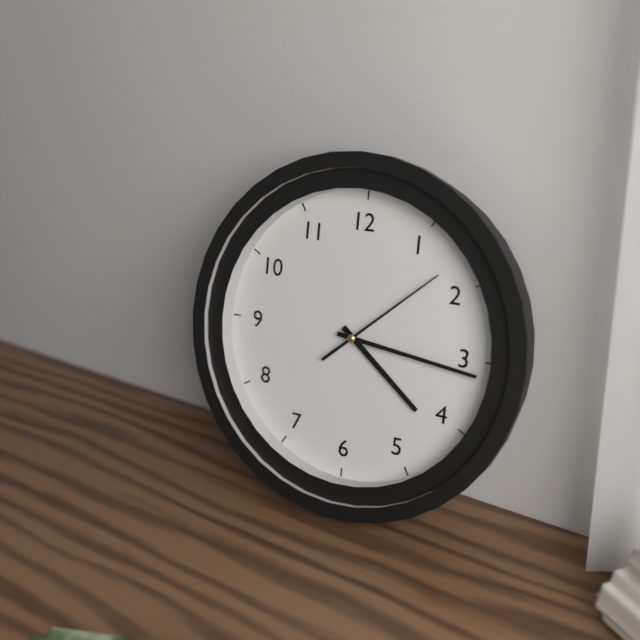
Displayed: **4:16:08**
